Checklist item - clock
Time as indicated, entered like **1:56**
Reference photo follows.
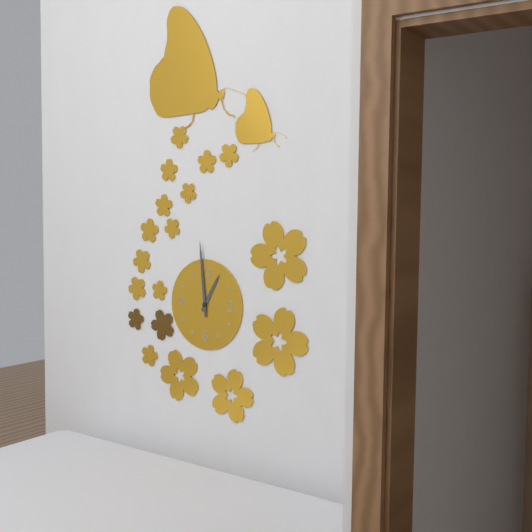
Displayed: **12:59**
